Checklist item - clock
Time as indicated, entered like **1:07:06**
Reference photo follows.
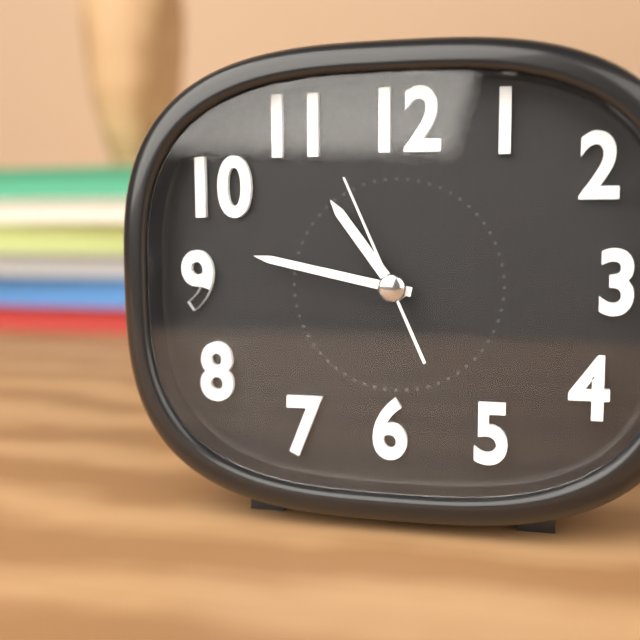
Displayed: **10:47:56**
